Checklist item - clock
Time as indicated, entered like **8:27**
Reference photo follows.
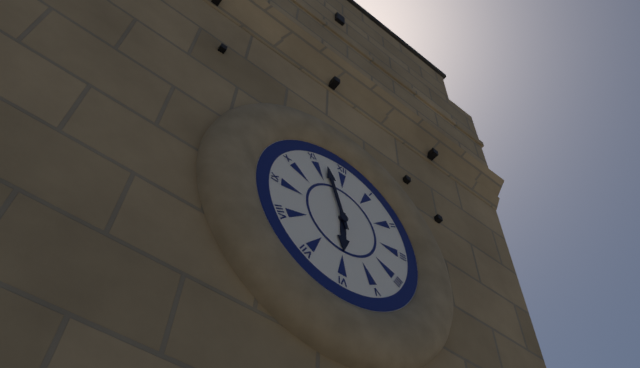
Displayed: **5:57**
